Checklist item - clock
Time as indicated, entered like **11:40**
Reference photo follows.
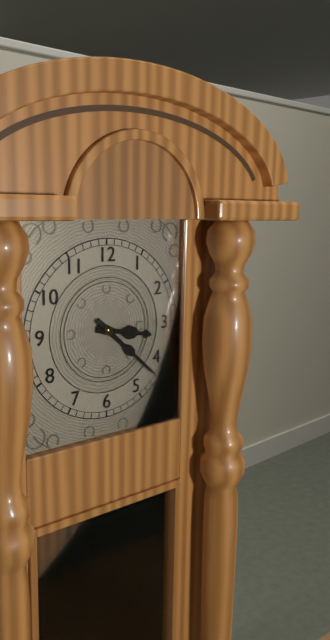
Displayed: **3:22**
